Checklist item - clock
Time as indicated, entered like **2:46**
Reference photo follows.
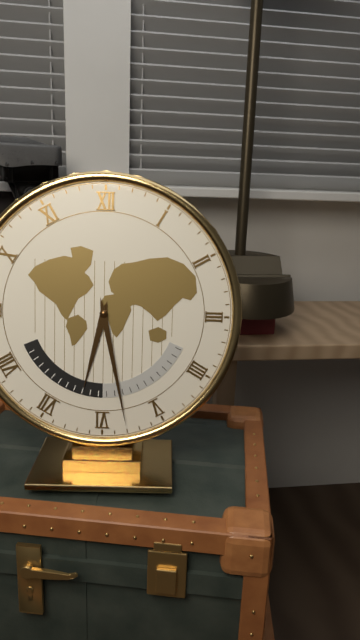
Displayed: **6:28**
